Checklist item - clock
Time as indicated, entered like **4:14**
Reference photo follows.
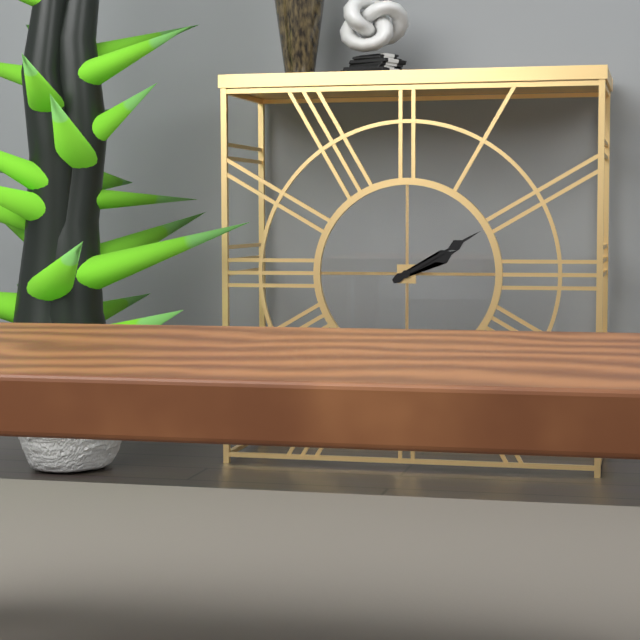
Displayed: **2:10**
